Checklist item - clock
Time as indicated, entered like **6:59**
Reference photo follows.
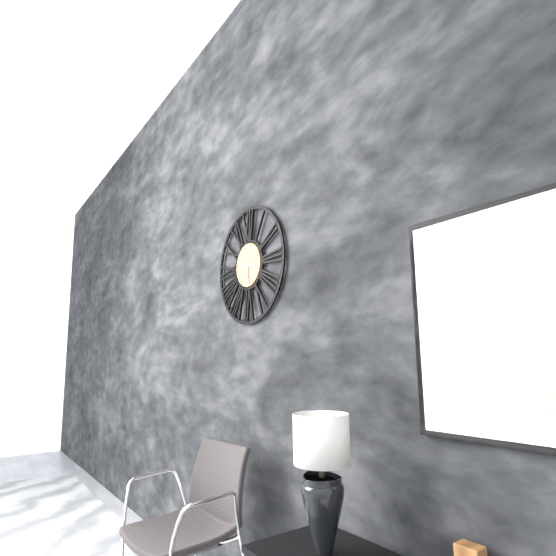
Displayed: **3:29**
